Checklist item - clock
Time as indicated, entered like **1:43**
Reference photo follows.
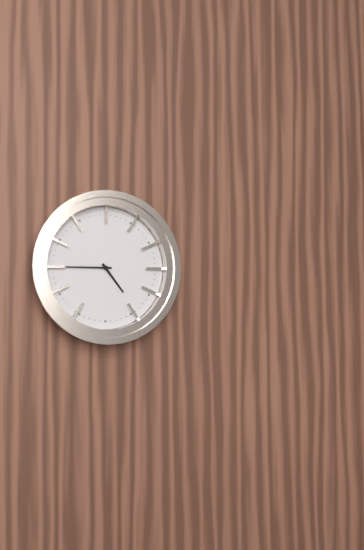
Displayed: **4:45**
